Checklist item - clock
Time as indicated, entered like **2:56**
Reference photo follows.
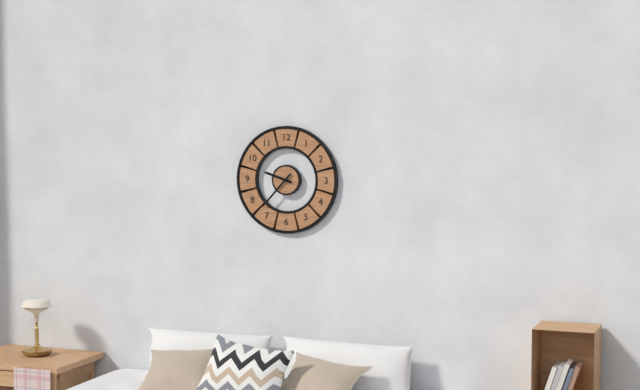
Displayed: **9:37**
